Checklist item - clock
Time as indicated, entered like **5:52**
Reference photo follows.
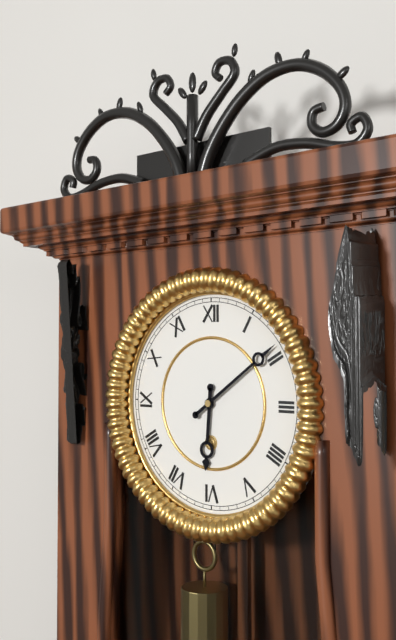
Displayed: **6:09**
